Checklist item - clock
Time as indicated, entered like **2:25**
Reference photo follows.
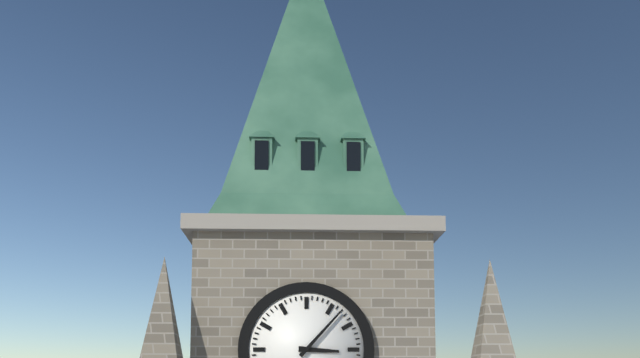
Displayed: **3:07**
